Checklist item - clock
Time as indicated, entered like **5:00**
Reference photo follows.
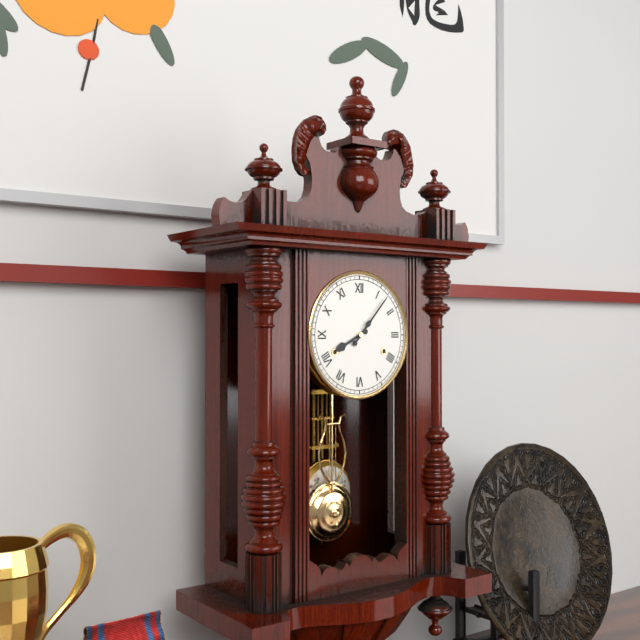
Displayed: **8:07**
